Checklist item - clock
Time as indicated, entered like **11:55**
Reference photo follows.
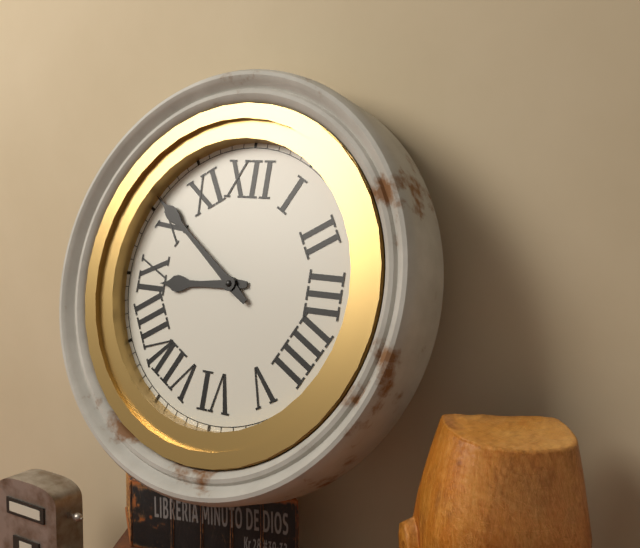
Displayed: **8:51**
